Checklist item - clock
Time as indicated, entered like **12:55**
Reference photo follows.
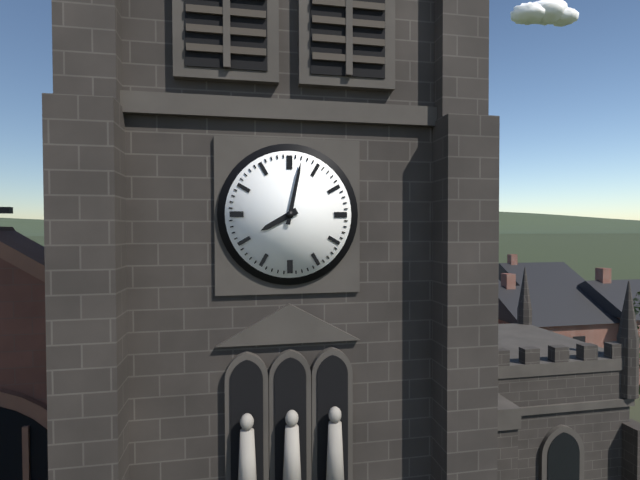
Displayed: **8:02**
